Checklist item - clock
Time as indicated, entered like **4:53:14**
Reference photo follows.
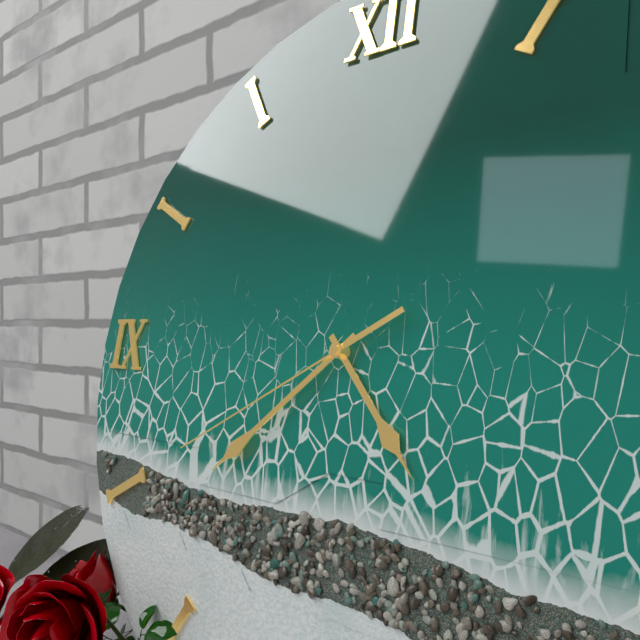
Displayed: **4:38:40**
